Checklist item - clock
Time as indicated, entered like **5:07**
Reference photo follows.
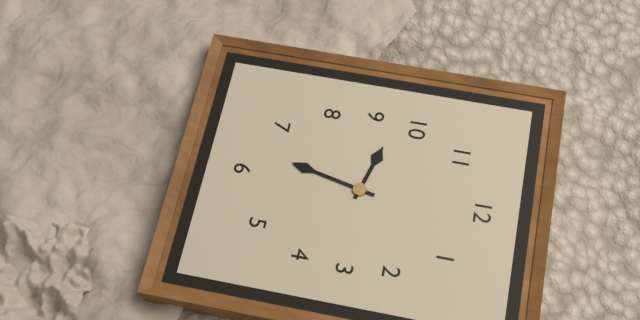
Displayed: **9:32**
